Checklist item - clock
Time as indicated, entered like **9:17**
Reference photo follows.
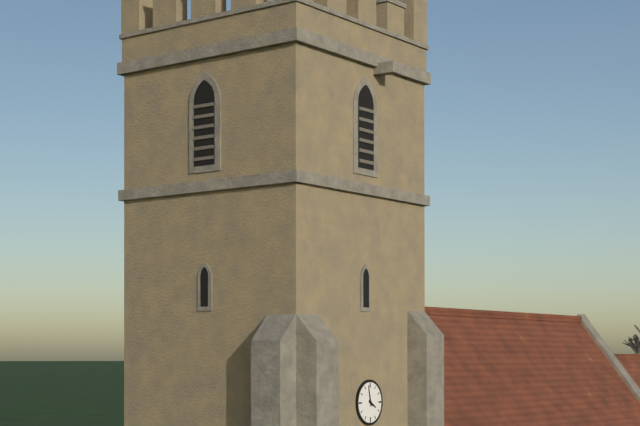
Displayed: **3:58**
